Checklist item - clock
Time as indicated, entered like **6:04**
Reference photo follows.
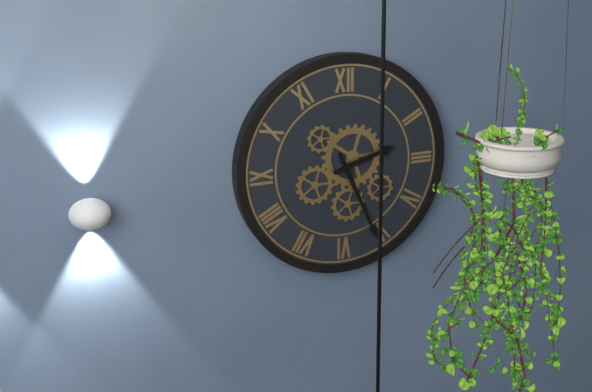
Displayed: **2:26**
